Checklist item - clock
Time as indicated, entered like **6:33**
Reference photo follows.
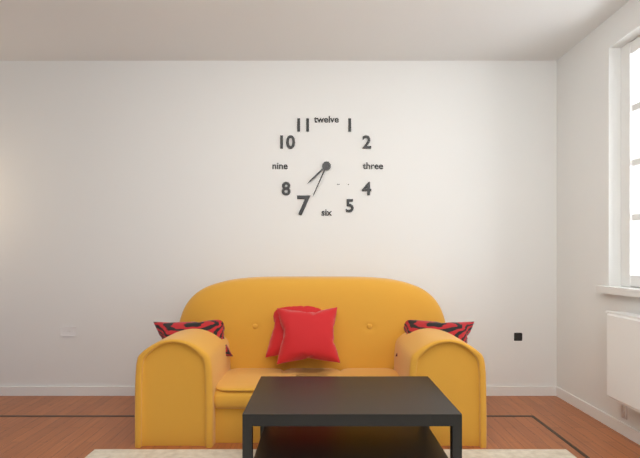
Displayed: **7:34**
